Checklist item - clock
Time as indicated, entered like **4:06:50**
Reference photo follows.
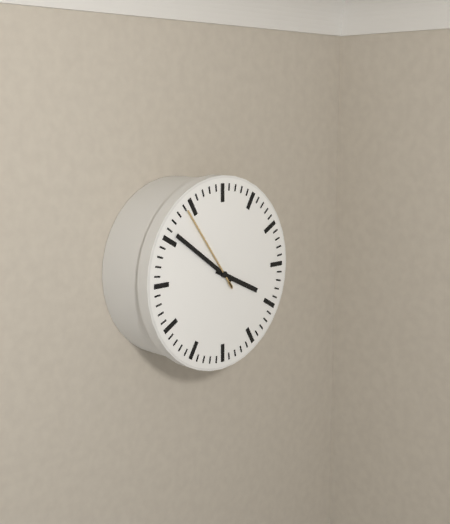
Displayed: **3:51:54**
